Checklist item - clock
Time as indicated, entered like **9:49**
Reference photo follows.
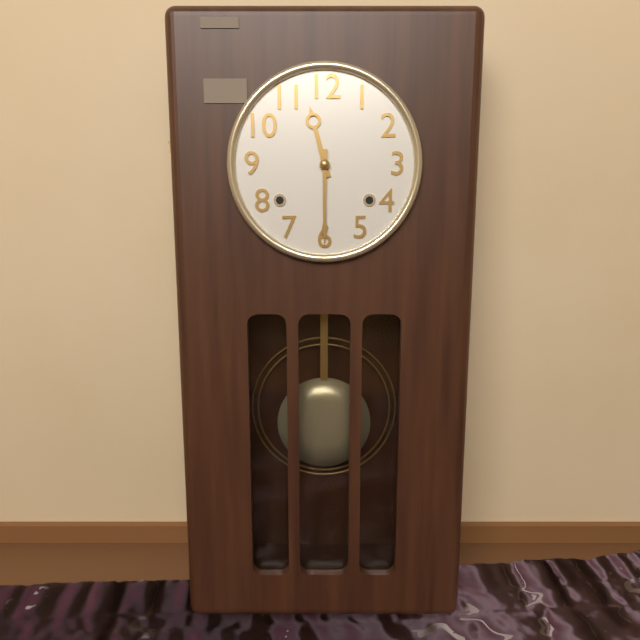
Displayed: **11:30**
